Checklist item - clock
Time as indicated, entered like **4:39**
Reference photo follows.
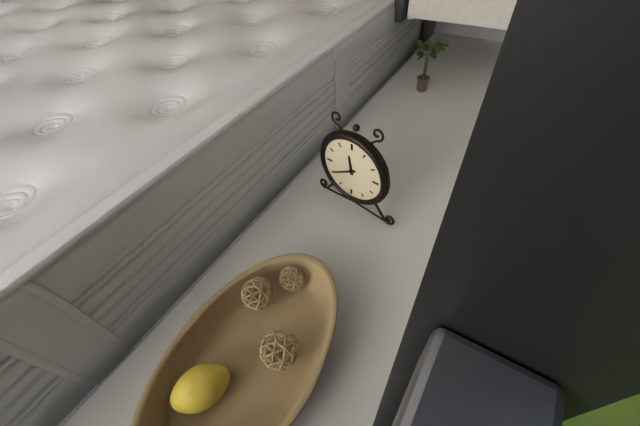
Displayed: **11:40**
